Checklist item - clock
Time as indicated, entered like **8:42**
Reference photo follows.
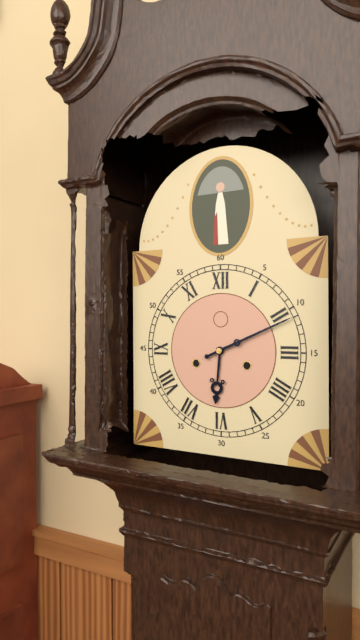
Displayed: **6:11**
